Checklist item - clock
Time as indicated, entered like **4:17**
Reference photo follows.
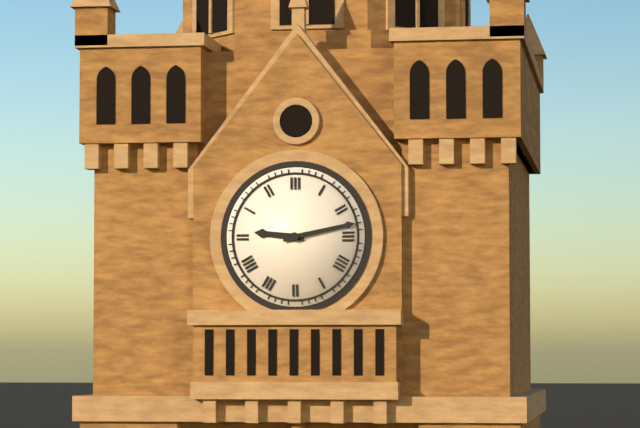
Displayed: **9:13**
